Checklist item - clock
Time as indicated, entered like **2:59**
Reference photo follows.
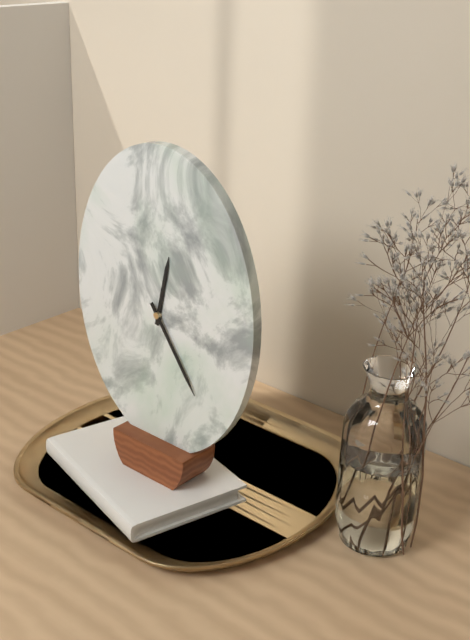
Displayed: **12:24**
